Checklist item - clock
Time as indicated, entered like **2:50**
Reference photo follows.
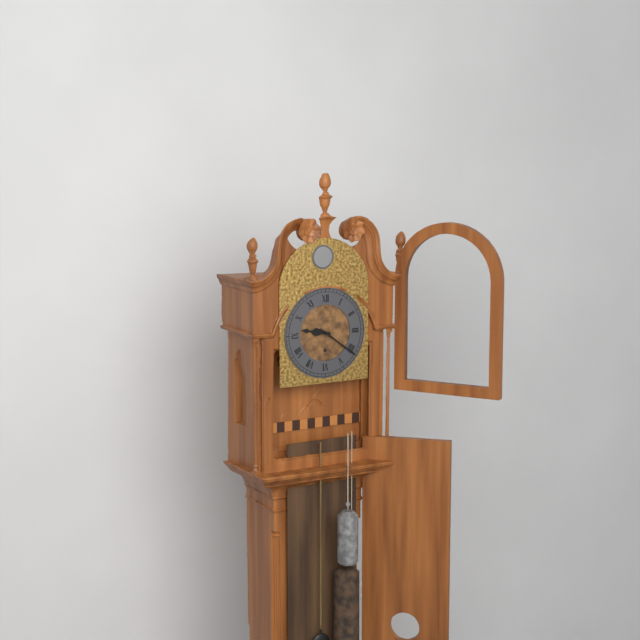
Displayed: **9:21**
